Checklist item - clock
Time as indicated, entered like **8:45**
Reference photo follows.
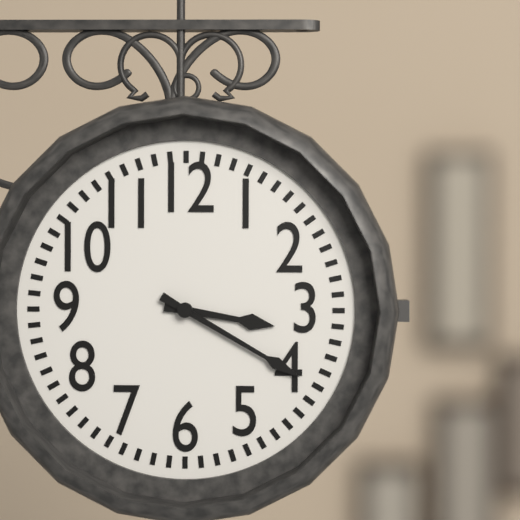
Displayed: **3:20**
